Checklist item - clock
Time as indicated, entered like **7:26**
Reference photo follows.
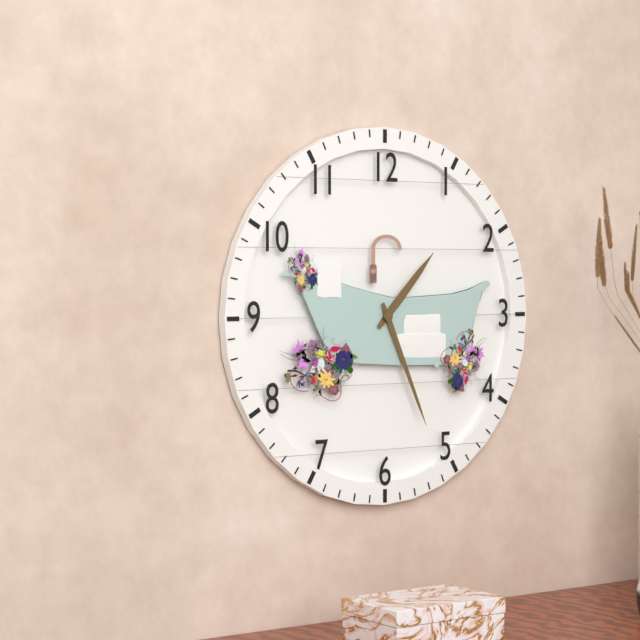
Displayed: **1:26**
